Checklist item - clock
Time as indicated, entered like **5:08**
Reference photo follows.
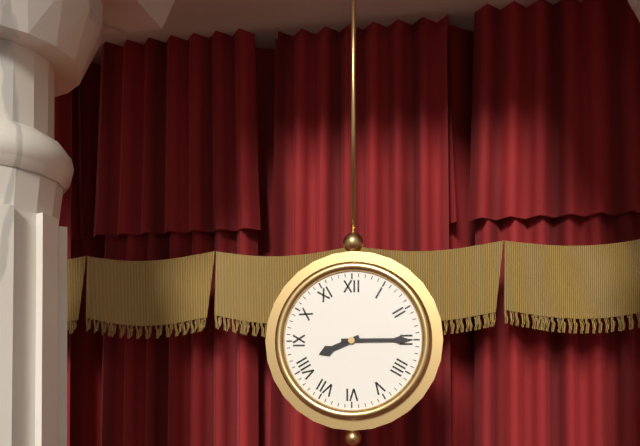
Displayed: **8:15**
